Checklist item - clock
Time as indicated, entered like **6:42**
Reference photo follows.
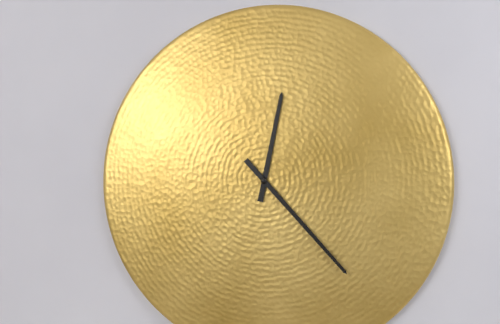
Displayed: **12:23**
